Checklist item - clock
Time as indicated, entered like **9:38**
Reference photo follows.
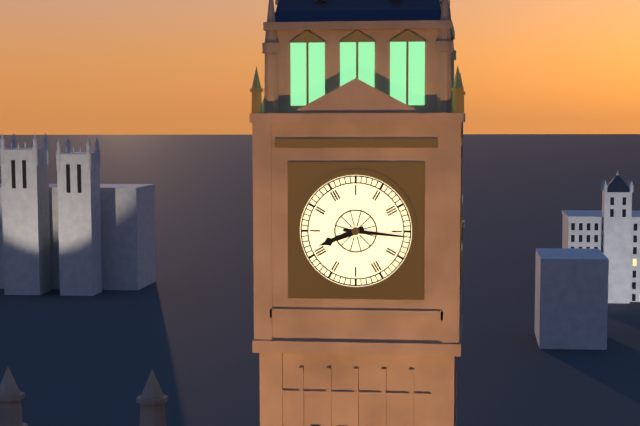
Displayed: **8:16**
